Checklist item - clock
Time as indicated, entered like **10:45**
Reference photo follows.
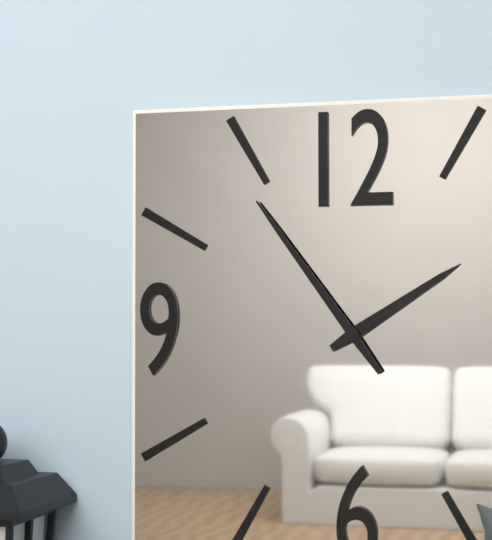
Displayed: **1:54**
